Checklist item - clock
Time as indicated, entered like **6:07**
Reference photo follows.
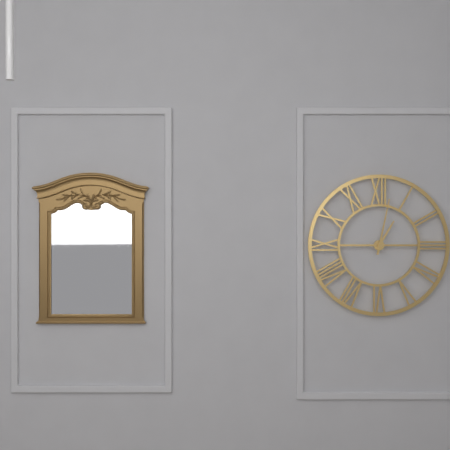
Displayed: **1:02**
